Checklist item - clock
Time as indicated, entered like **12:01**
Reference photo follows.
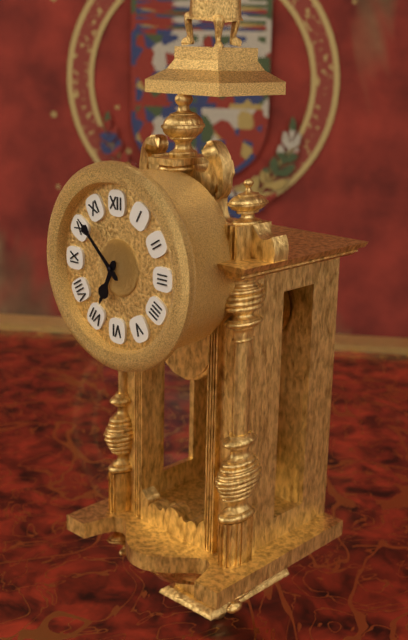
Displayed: **6:52**
